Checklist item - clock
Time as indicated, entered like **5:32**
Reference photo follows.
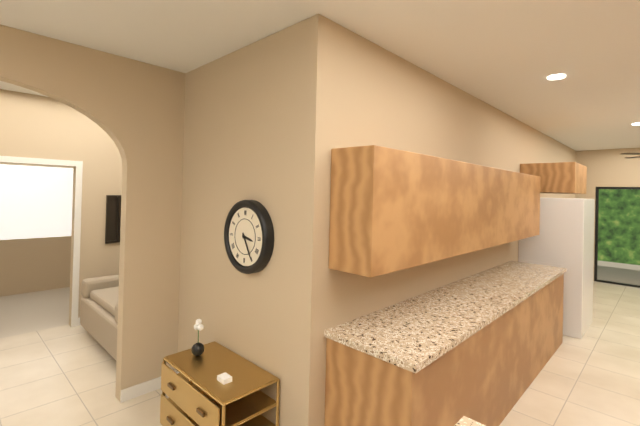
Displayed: **3:25**
